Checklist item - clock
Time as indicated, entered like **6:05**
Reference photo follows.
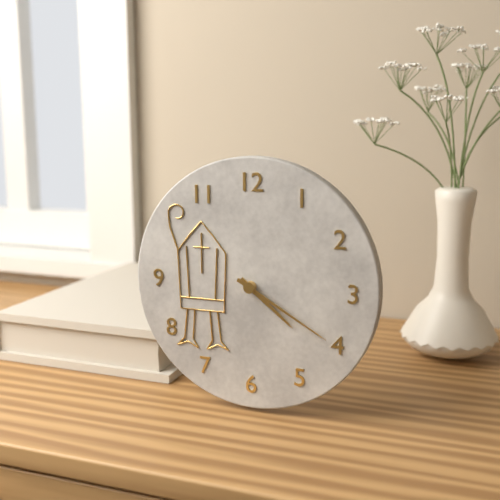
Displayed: **4:20**
